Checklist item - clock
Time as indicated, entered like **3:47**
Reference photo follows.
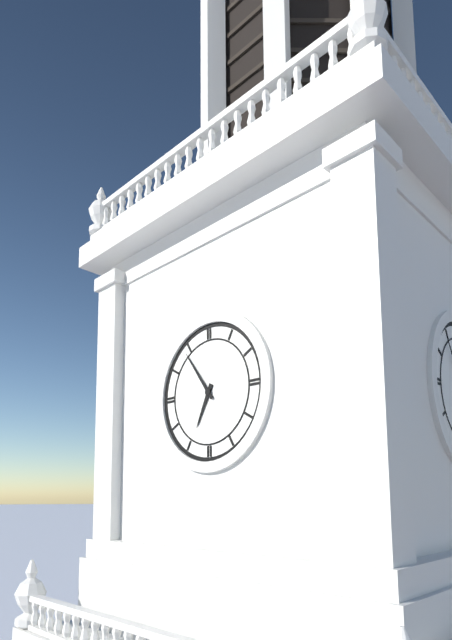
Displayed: **6:54**
